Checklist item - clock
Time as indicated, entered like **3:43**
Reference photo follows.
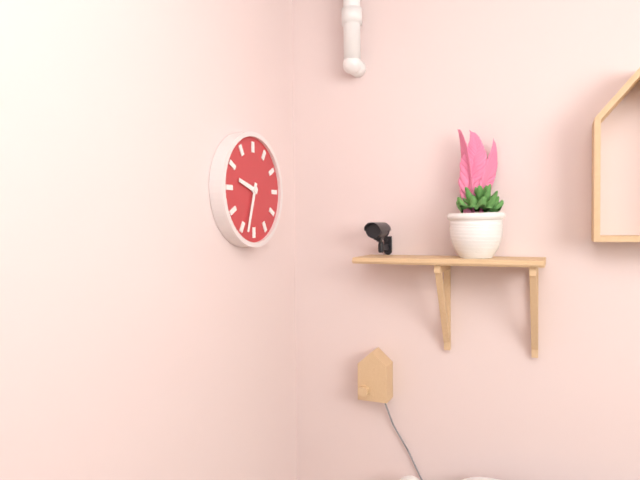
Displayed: **9:33**
